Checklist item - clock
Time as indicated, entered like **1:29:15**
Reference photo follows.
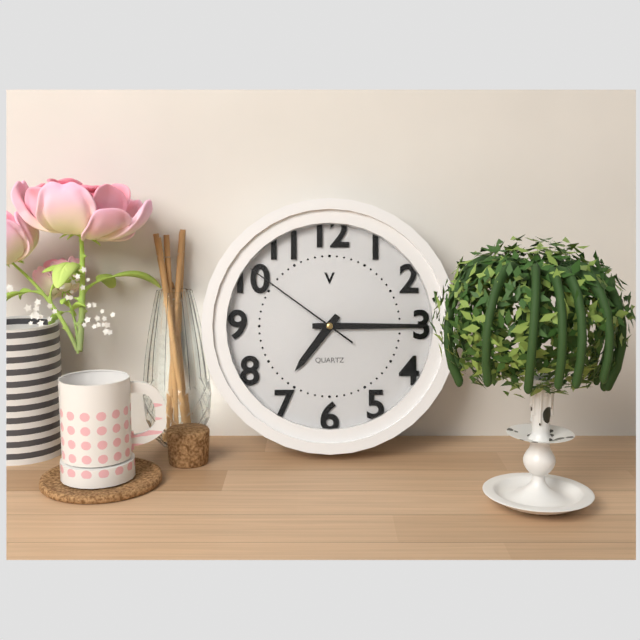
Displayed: **7:15:51**
